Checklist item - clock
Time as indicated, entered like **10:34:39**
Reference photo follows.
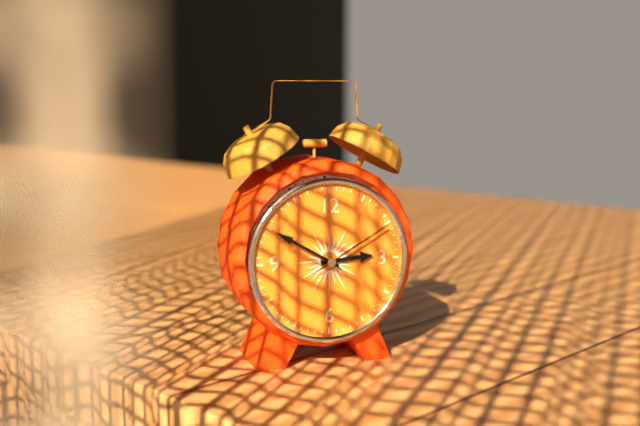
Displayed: **2:50:10**
